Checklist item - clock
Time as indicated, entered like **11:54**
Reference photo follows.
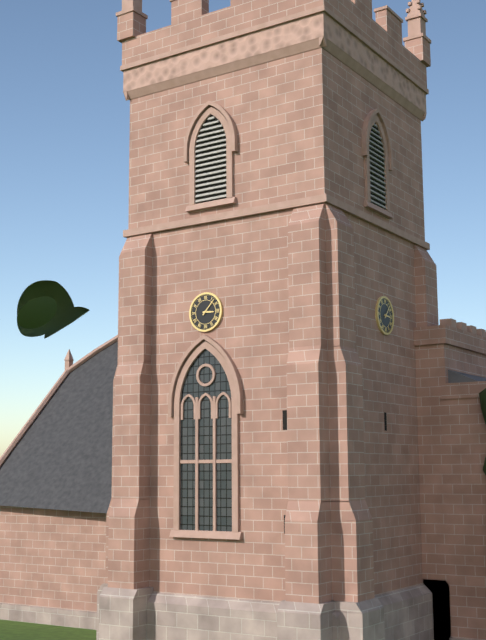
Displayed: **3:07**
